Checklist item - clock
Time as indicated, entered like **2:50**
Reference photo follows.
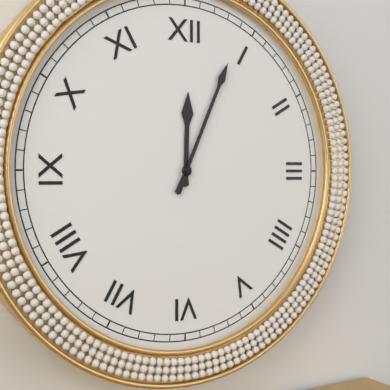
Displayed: **12:04**
